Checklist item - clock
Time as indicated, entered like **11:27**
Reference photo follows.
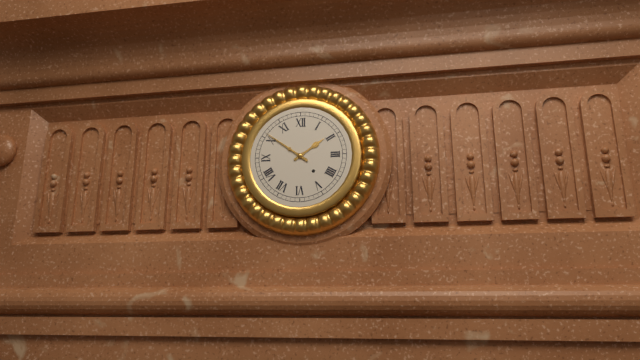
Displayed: **1:51**
